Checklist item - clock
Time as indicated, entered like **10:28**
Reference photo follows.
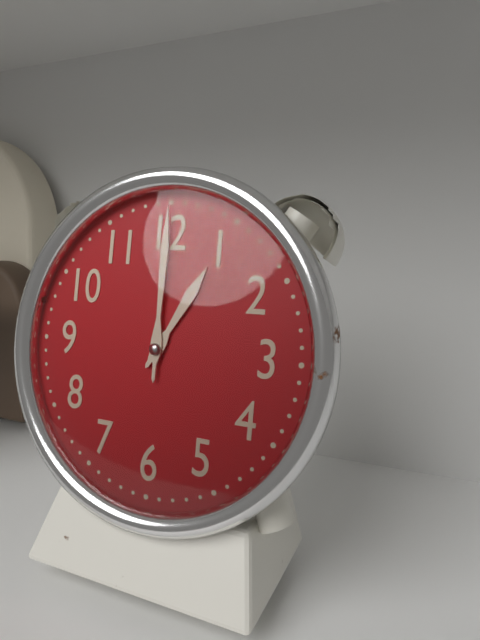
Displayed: **1:00**
